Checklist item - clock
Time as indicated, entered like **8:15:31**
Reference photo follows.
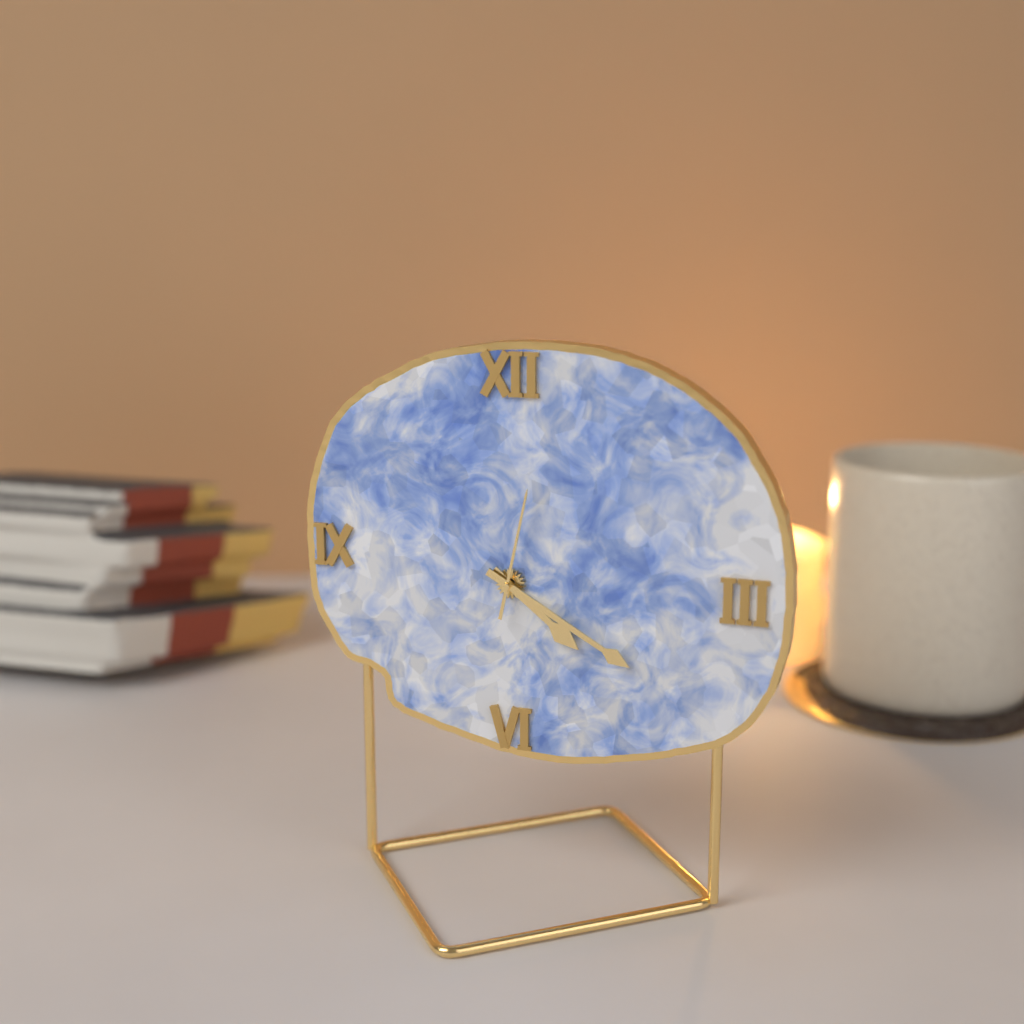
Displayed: **4:20:02**
